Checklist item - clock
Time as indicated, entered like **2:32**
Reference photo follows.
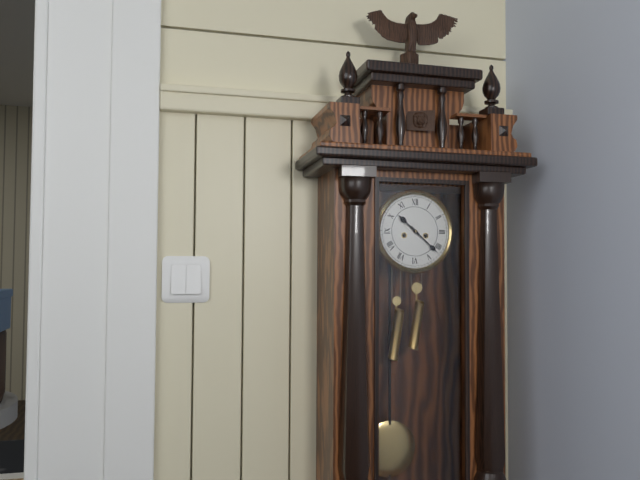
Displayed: **10:22**
